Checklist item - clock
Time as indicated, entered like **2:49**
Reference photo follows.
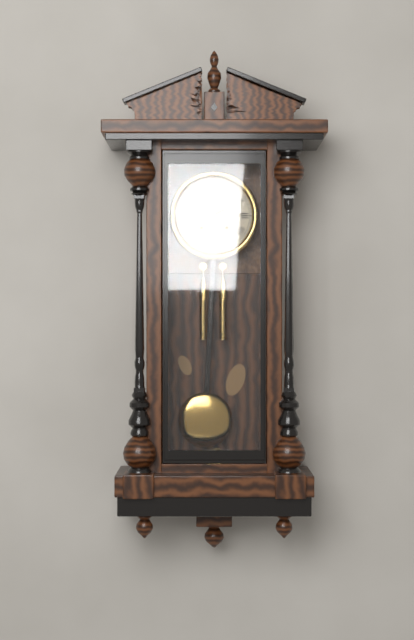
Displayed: **2:02**
